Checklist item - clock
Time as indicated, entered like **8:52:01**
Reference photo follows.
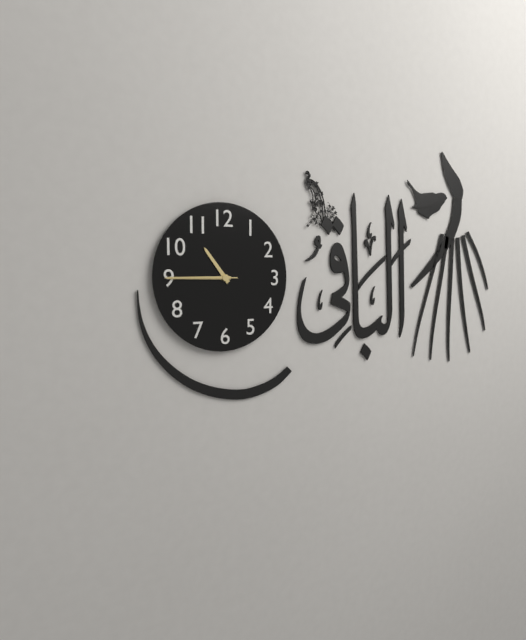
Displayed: **10:45:45**
